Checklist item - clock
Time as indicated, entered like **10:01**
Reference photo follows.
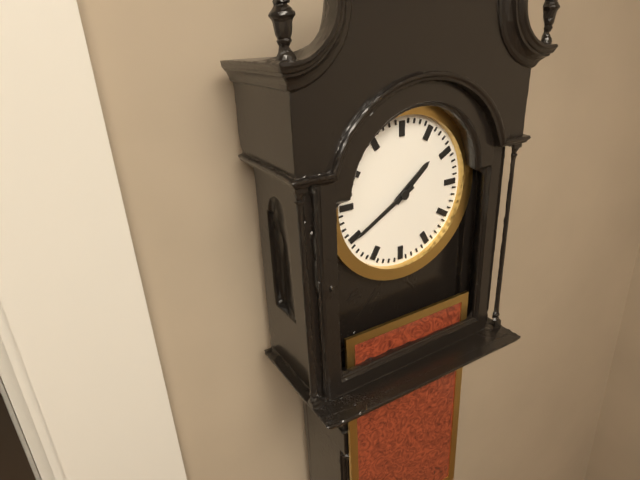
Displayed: **1:40**
